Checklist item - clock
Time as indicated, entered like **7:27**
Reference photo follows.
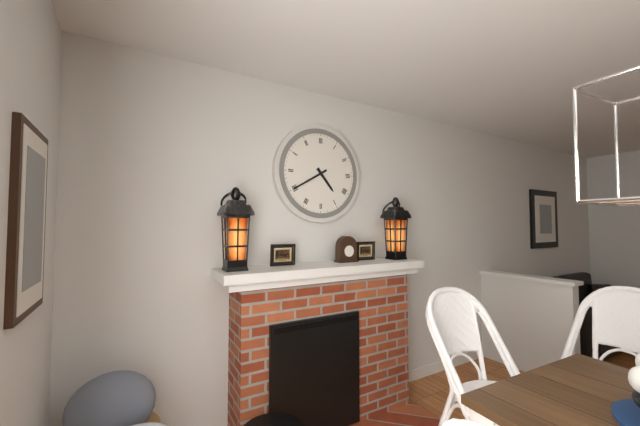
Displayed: **4:40**
